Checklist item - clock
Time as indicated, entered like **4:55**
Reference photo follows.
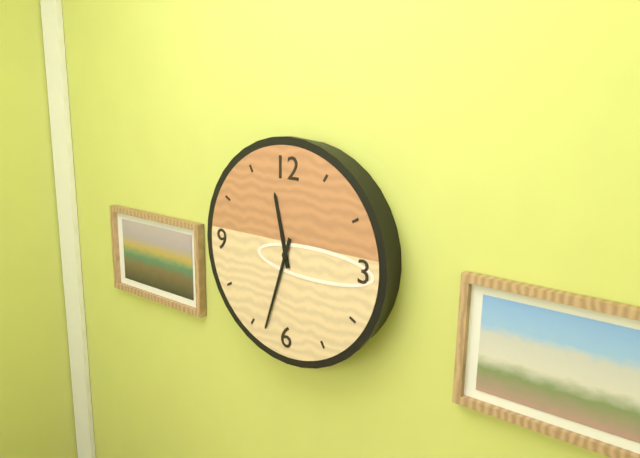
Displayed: **11:33**
